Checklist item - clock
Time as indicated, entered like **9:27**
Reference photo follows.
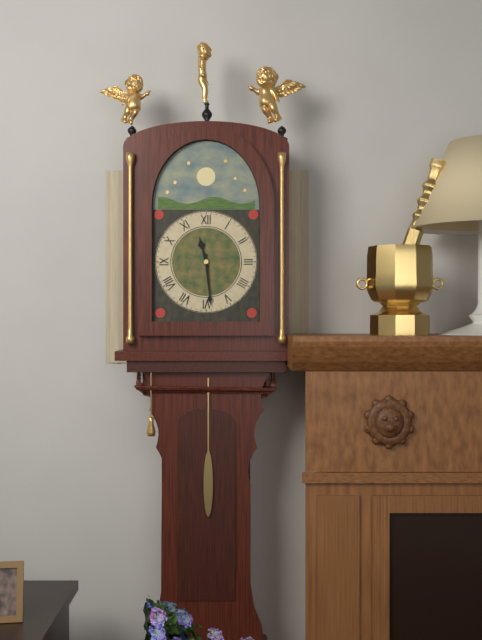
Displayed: **11:29**
